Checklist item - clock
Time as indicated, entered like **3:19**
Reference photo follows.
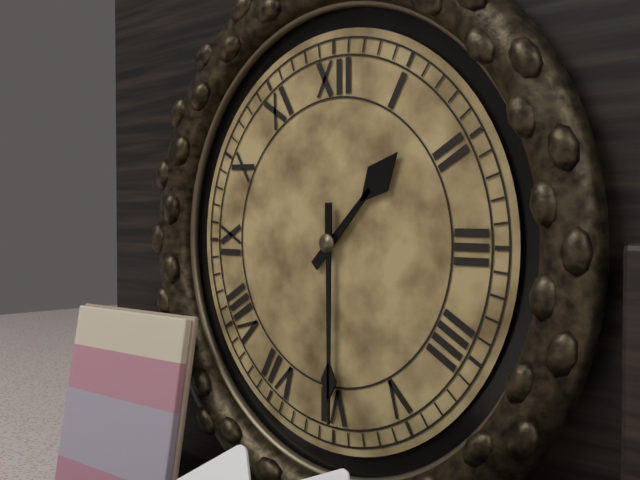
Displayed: **1:30**
